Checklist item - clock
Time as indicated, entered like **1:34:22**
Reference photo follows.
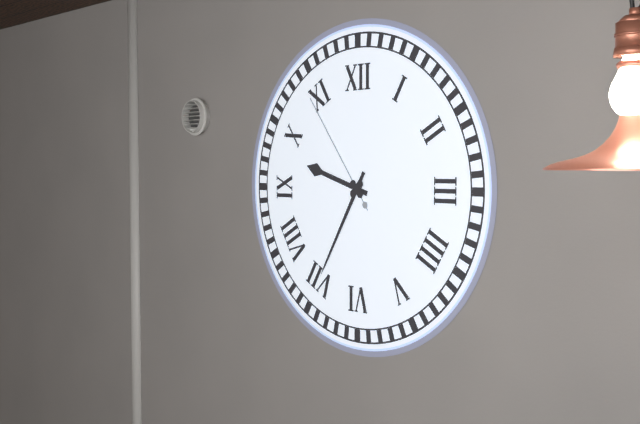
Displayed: **9:35:54**
